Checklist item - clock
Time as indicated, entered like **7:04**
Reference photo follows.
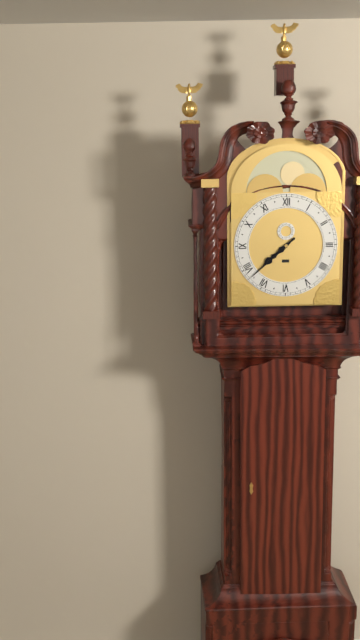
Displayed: **7:38**
